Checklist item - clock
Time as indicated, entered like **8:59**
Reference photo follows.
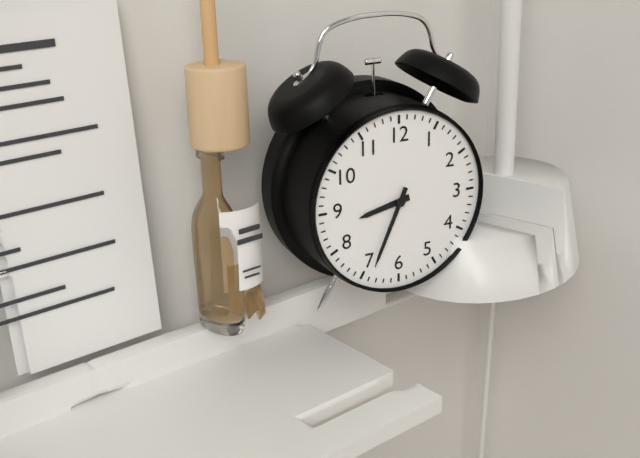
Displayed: **8:34**
